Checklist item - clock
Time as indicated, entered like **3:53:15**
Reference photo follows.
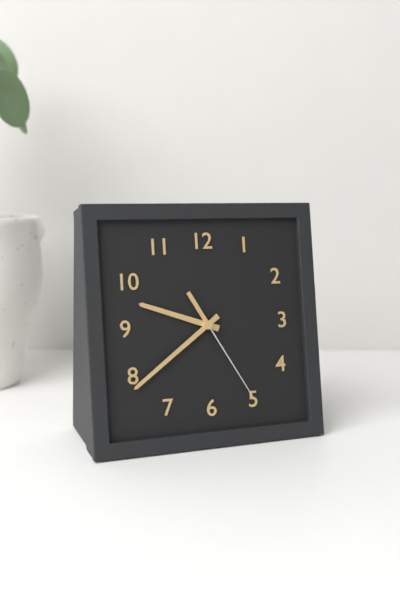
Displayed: **9:39:25**
